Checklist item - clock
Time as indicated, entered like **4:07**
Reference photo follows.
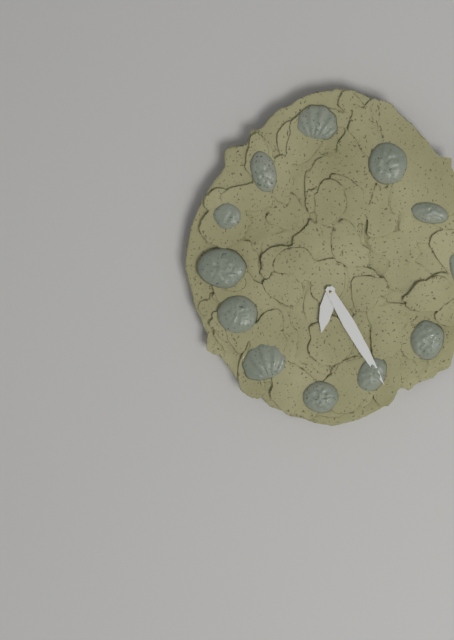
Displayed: **6:25**
